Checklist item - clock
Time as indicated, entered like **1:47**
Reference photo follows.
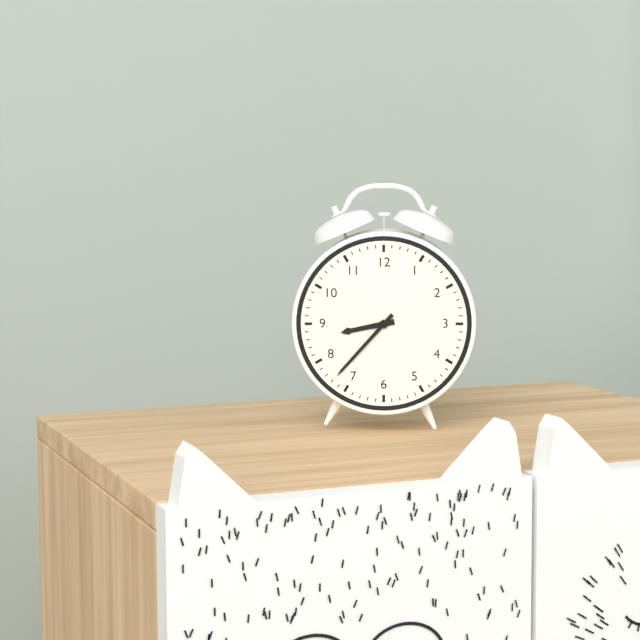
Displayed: **8:37**
